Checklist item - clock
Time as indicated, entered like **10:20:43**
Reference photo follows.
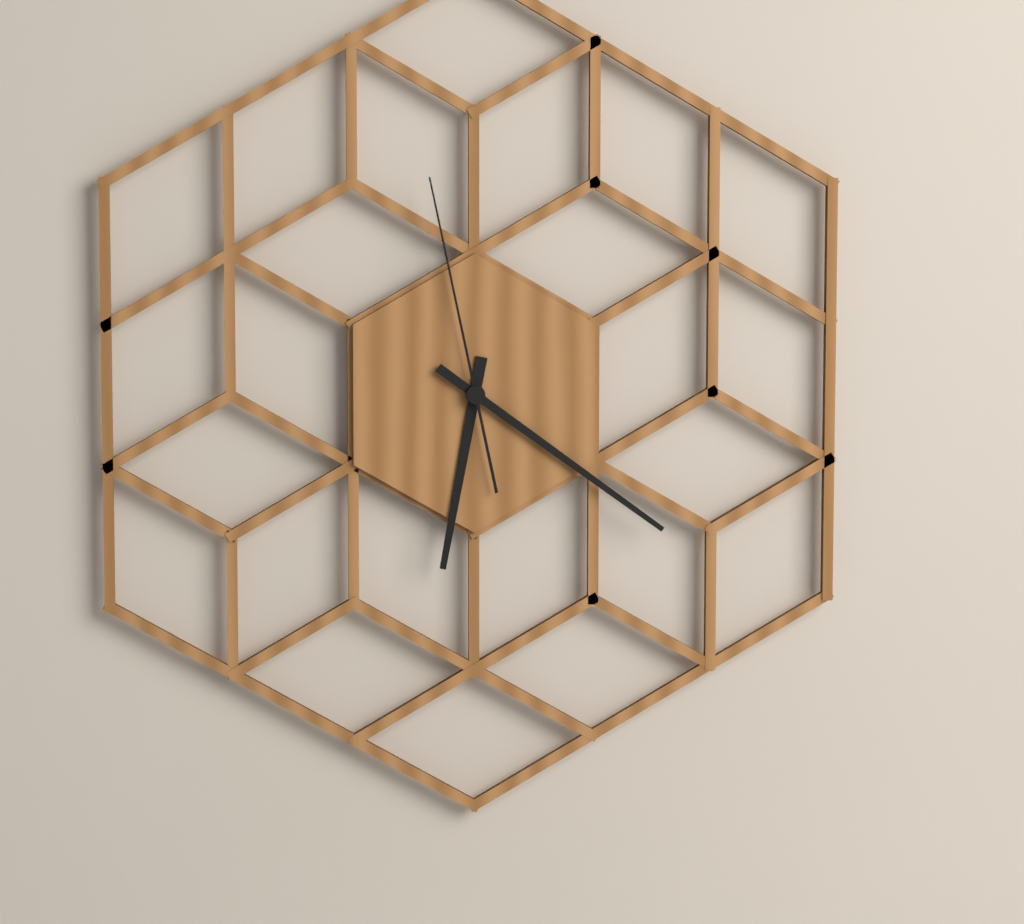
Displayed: **6:21:58**
